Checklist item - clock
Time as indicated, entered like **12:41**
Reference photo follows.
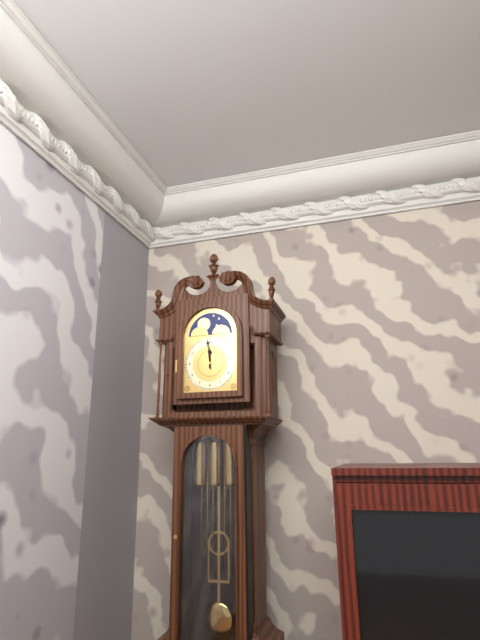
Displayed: **11:59**
